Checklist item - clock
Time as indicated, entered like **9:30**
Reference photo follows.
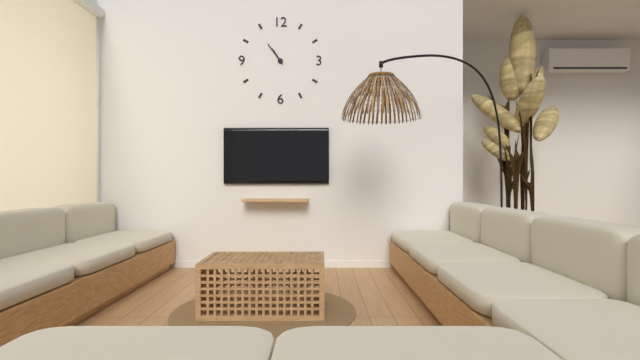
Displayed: **10:54**
